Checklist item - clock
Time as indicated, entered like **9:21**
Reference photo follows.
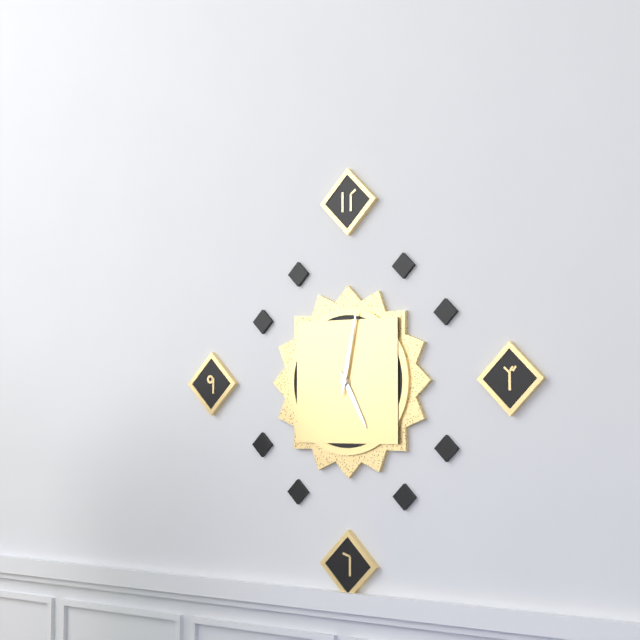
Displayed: **5:02**
